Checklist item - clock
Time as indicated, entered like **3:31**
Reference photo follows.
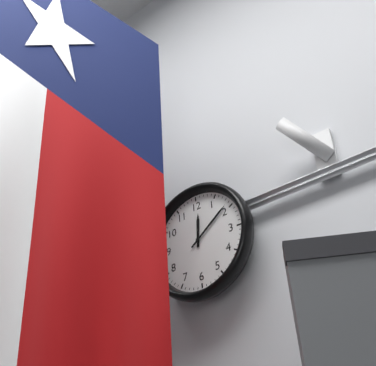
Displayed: **12:09**
